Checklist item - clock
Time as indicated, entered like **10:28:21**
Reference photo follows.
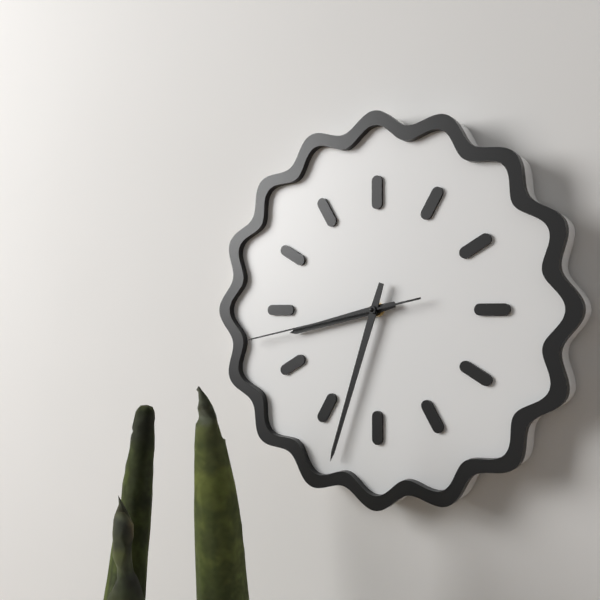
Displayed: **8:33:43**
